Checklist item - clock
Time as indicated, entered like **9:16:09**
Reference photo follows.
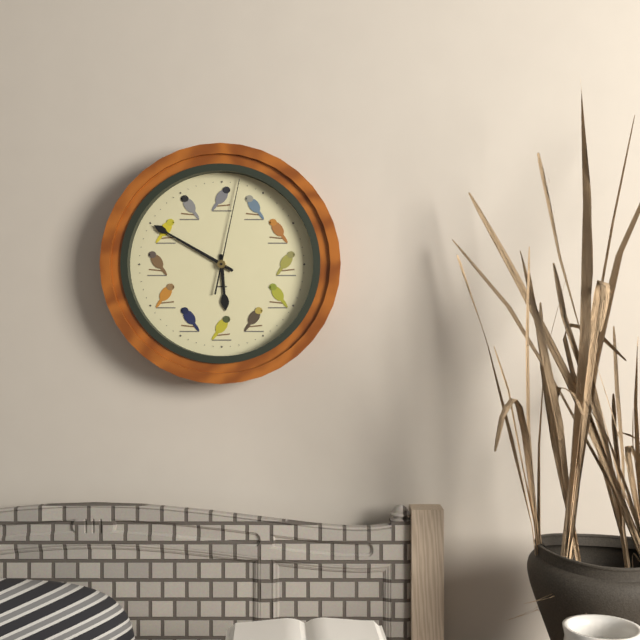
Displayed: **5:50:02**
